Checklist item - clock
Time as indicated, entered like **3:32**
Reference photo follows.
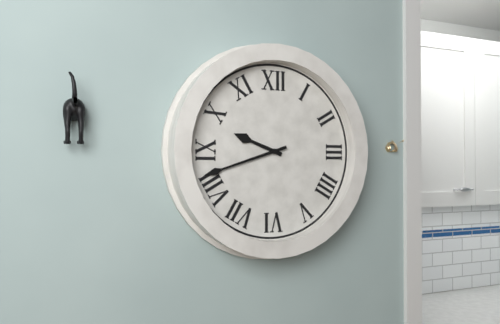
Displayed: **9:42**
